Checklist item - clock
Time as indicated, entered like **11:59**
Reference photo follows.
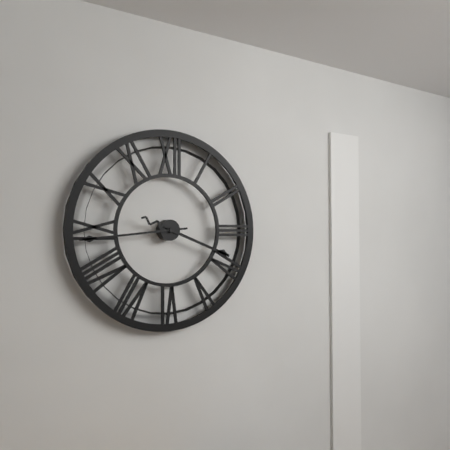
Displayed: **3:44**
